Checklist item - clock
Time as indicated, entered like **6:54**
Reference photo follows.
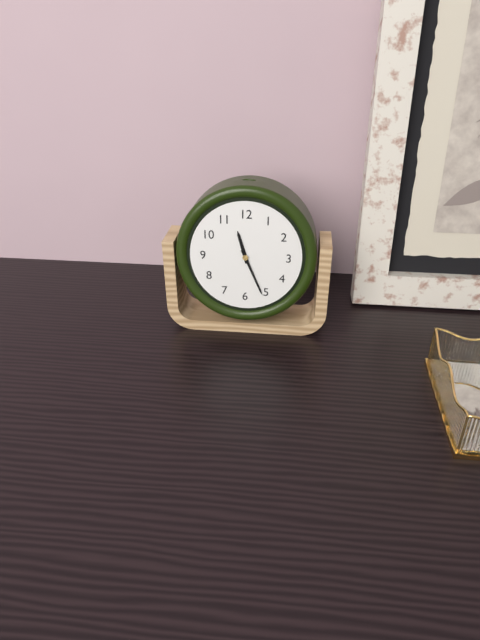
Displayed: **11:26**
